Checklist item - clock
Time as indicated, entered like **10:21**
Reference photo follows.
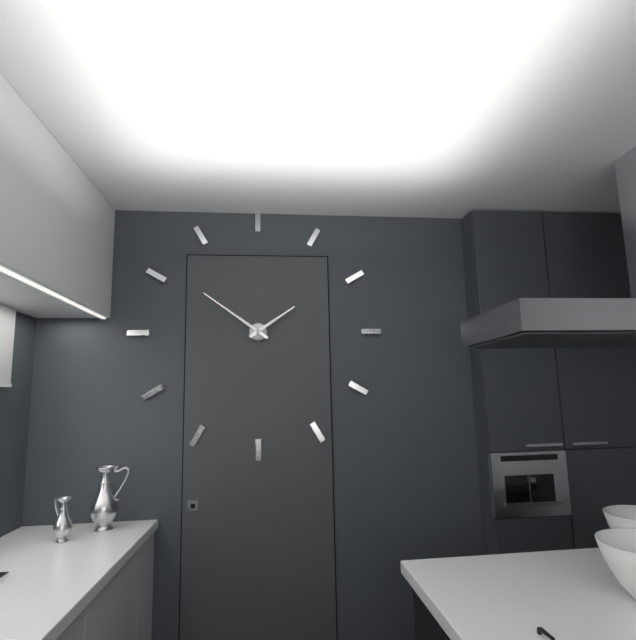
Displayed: **1:51**
